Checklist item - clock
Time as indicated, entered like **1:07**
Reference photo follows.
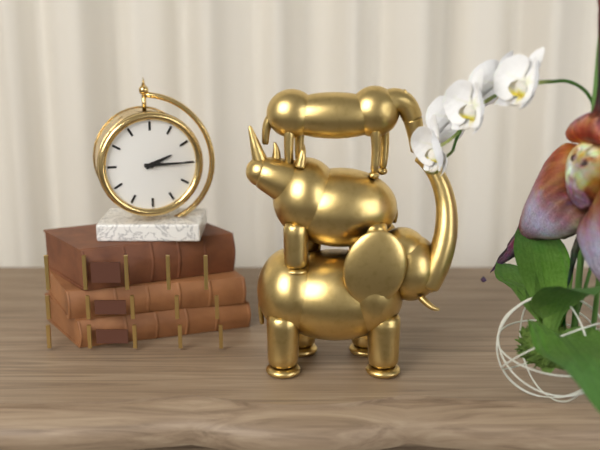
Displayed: **2:15**
